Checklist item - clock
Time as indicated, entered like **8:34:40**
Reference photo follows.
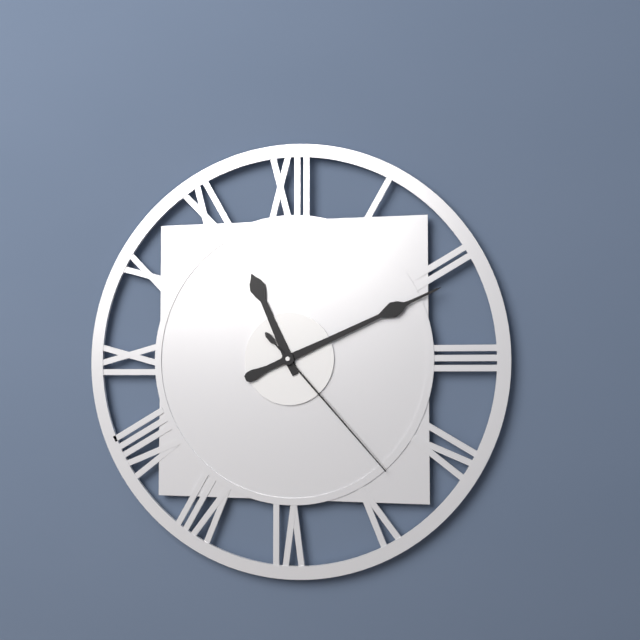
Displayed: **11:11:23**
